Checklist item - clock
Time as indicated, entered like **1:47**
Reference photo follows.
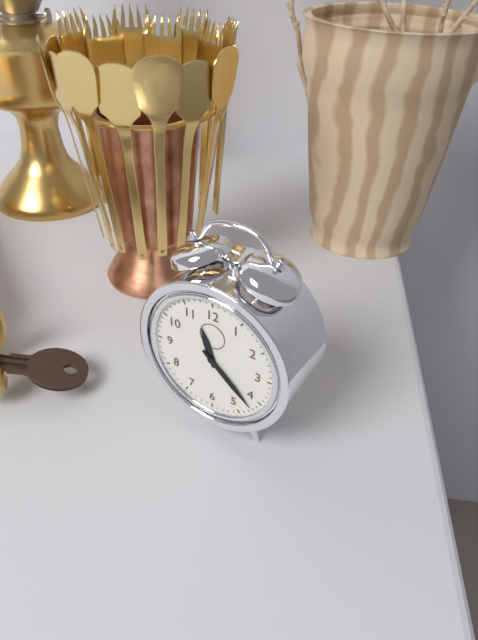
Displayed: **11:22**
